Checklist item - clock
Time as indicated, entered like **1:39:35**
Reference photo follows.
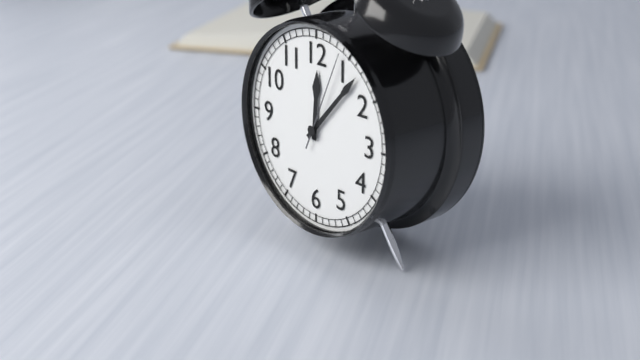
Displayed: **12:07:04**
